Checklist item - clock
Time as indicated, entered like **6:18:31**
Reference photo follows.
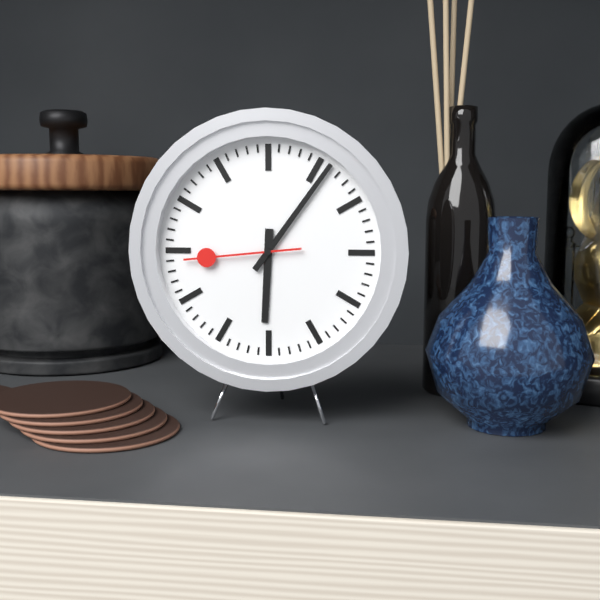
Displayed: **6:06:44**
